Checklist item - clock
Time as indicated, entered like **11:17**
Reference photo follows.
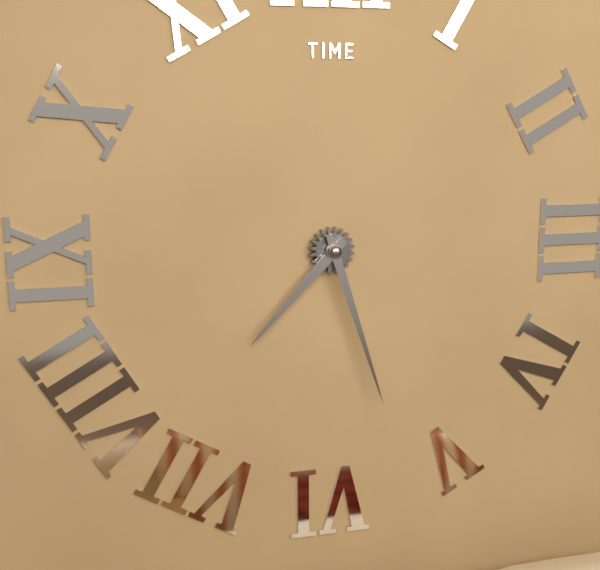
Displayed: **7:27**
